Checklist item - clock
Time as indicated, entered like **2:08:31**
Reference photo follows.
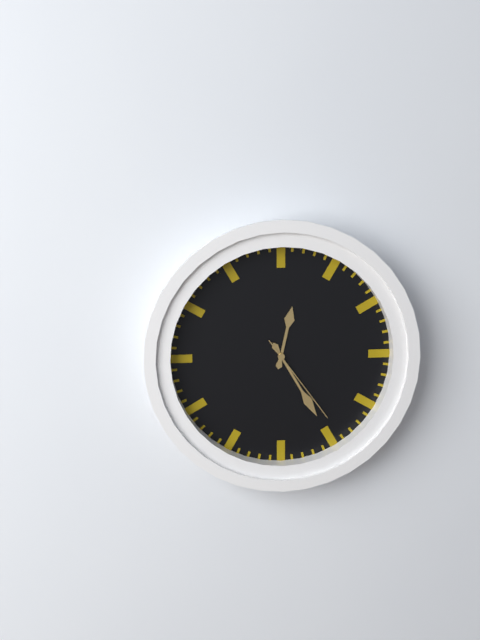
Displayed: **12:25:24**
